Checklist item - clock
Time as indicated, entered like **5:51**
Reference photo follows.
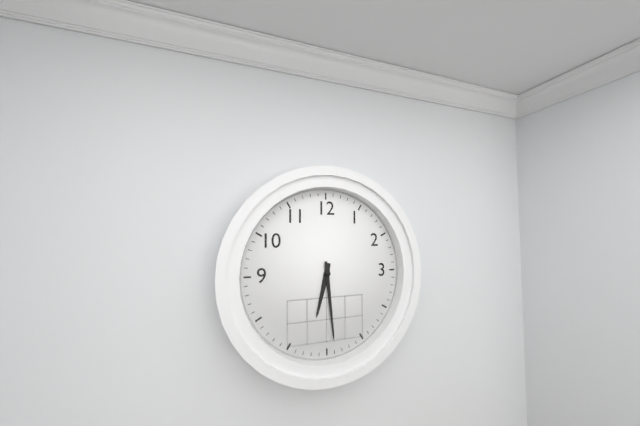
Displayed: **6:29**
